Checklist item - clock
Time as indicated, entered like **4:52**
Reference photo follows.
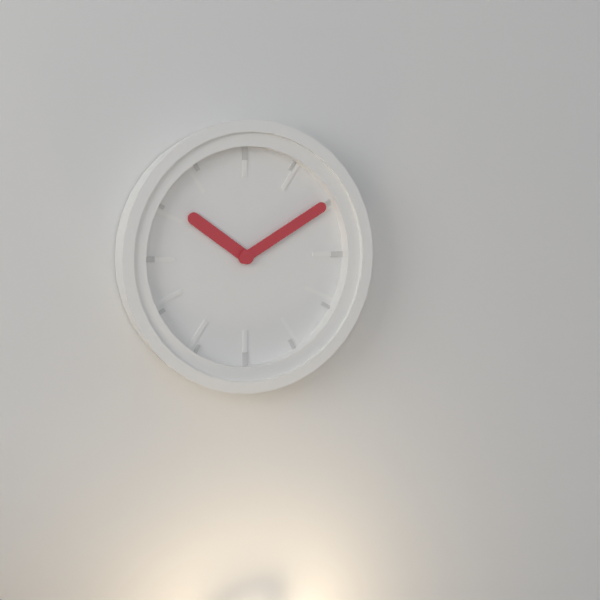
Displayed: **10:10**
